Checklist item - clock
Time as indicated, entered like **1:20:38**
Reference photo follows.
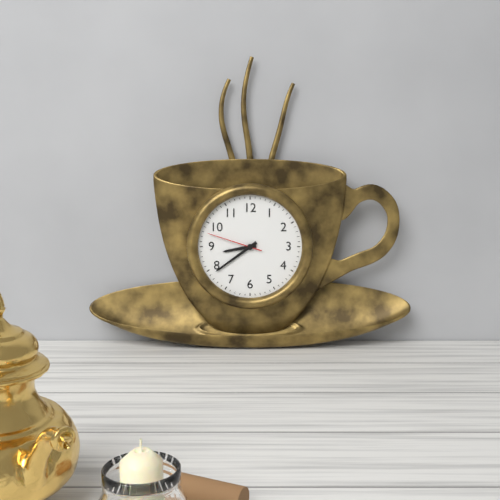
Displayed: **8:39:48**
